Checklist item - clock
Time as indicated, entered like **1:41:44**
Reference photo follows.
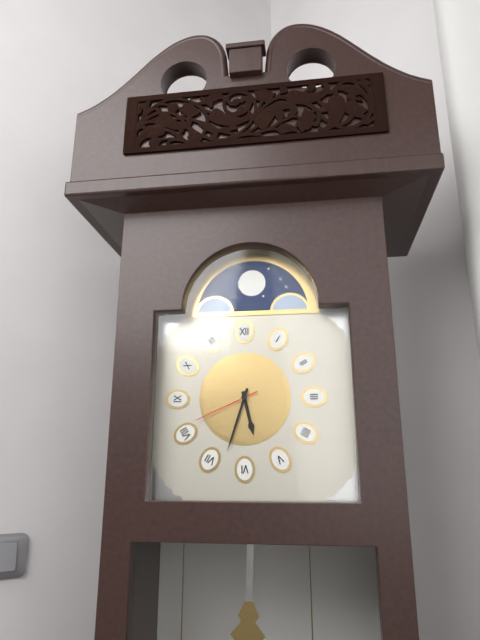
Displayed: **5:33:41**
